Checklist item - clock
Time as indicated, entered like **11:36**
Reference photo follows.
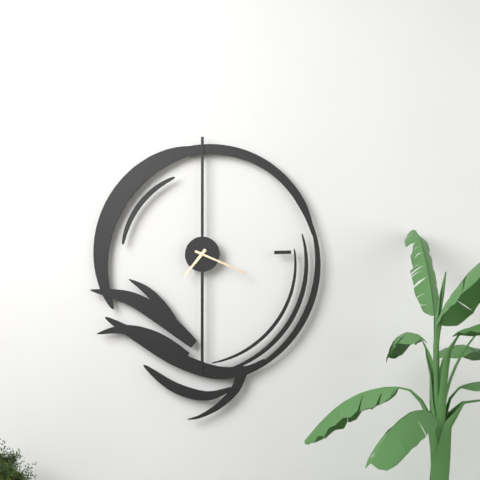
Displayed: **7:19**
